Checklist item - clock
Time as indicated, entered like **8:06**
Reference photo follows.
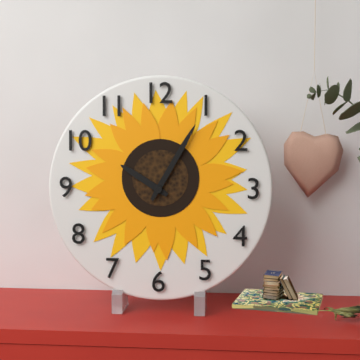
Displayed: **10:05**
